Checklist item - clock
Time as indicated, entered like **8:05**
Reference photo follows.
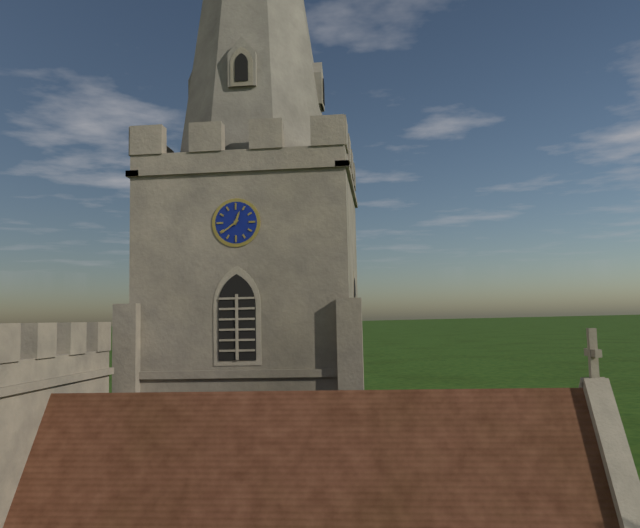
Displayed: **12:39**
